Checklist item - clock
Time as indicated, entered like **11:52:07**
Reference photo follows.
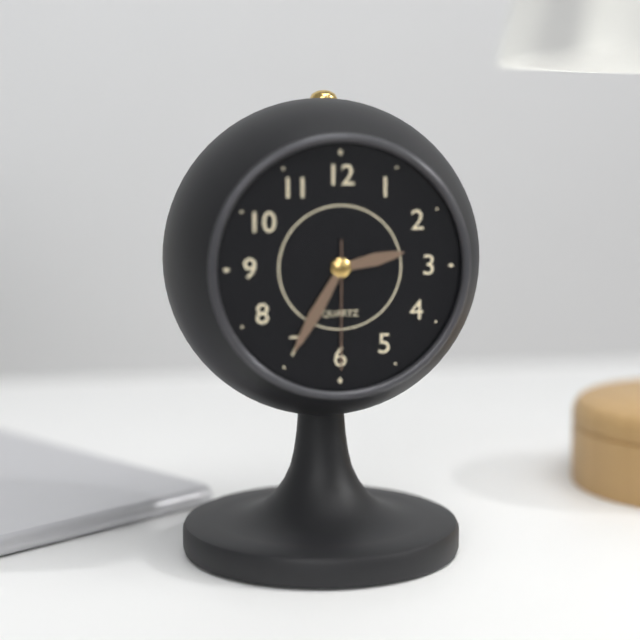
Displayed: **2:35:30**
